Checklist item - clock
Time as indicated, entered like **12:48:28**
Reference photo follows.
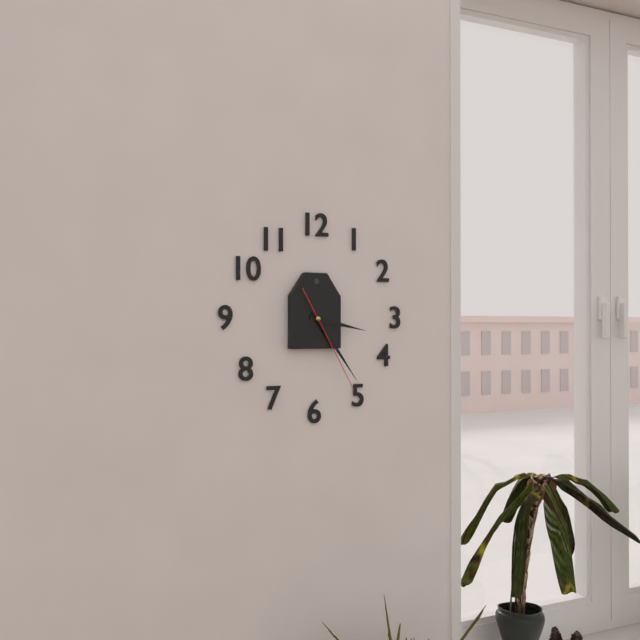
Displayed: **3:24:25**
